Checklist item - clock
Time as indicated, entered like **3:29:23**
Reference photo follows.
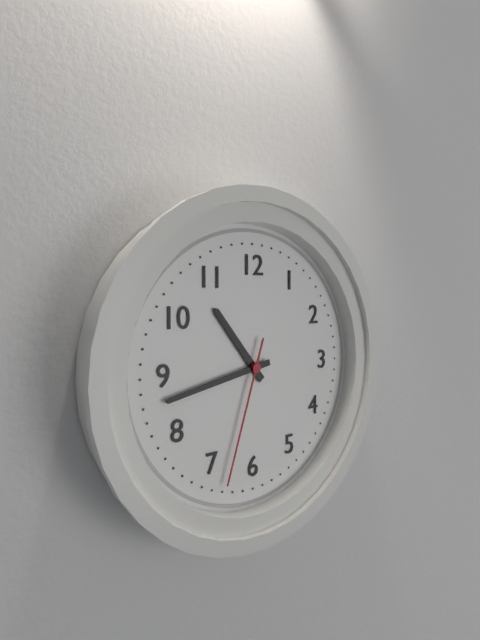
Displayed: **10:43:33**
